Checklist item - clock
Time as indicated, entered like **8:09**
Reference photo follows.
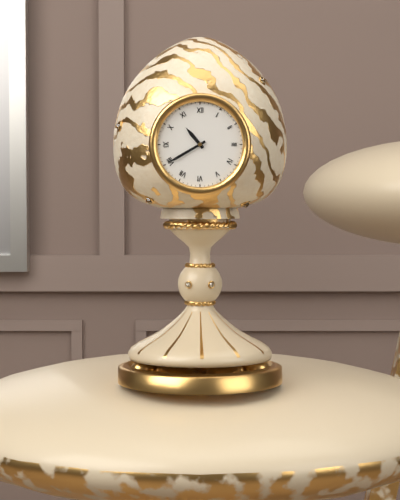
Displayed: **10:40**
